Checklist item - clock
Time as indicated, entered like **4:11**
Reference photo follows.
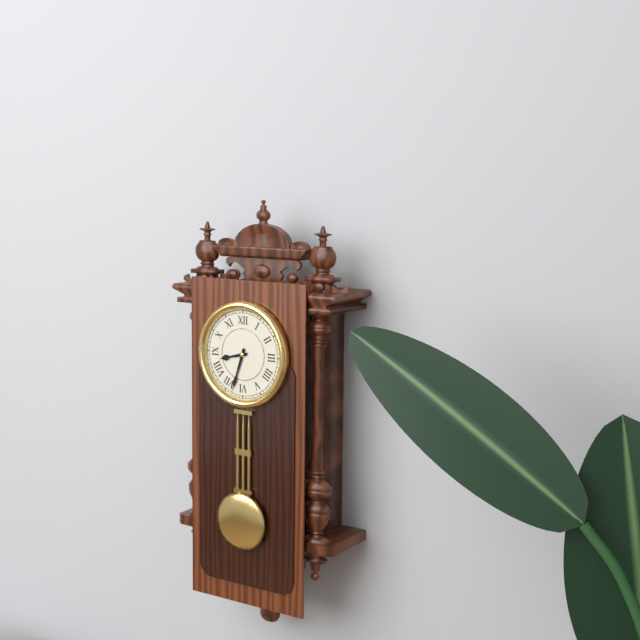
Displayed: **8:33**
